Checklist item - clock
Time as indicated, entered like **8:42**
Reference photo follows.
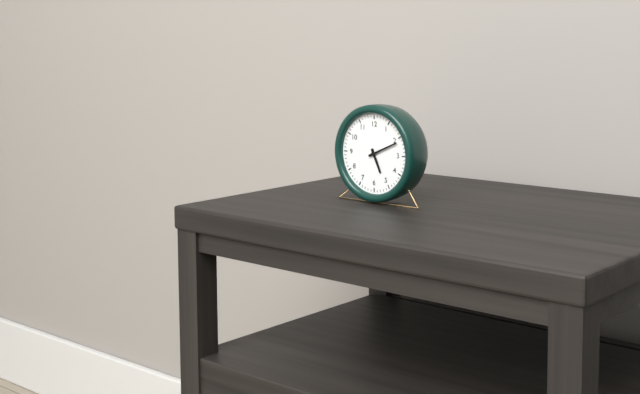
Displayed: **5:11**
